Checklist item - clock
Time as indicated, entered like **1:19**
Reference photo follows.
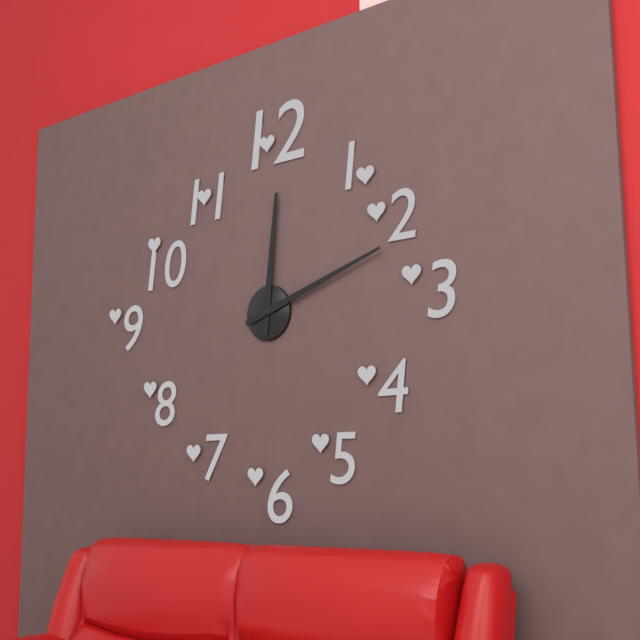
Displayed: **12:12**
